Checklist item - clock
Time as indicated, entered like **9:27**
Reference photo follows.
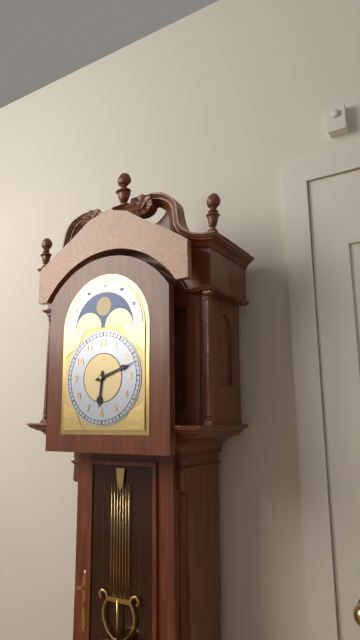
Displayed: **6:12**
